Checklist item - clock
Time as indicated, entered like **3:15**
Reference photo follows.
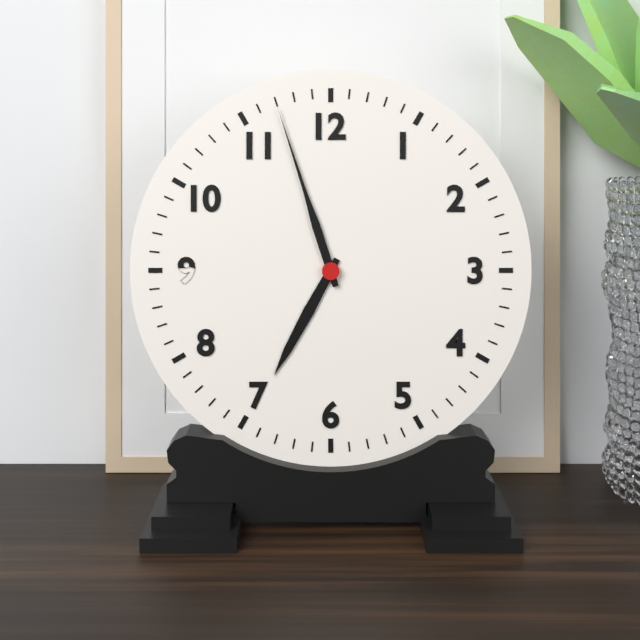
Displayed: **6:57**
